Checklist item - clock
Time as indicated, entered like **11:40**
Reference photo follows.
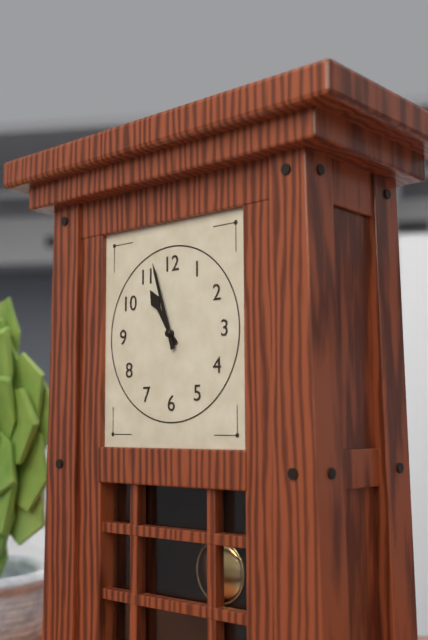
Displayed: **10:57**
